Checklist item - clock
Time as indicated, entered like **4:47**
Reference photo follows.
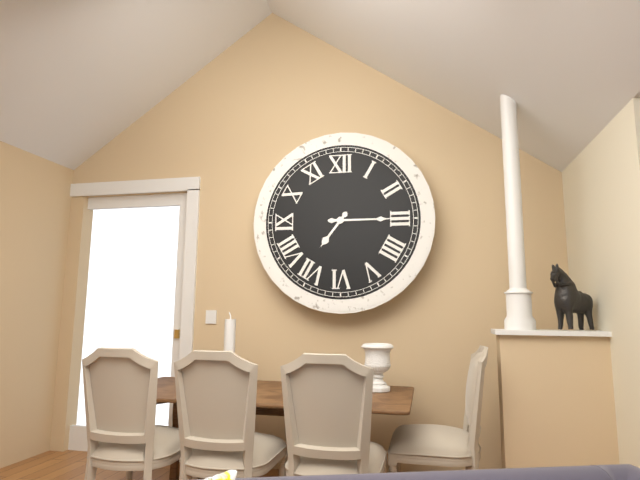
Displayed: **7:15**
